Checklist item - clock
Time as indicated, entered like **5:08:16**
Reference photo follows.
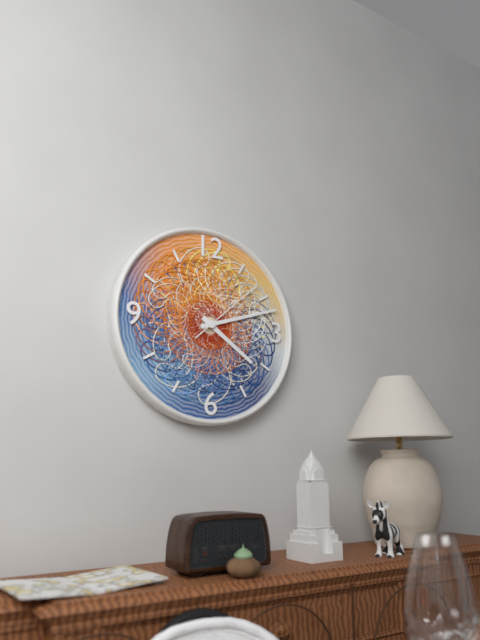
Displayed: **4:12:08**
